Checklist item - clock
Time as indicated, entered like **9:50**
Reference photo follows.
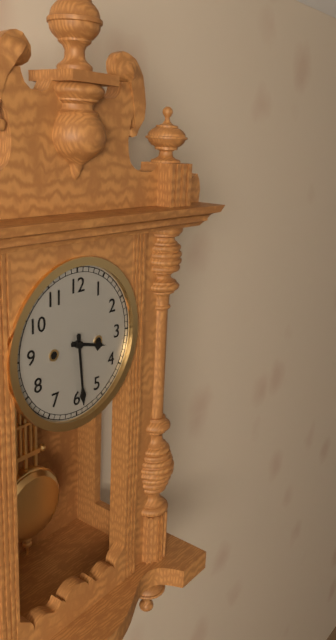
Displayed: **3:29**
